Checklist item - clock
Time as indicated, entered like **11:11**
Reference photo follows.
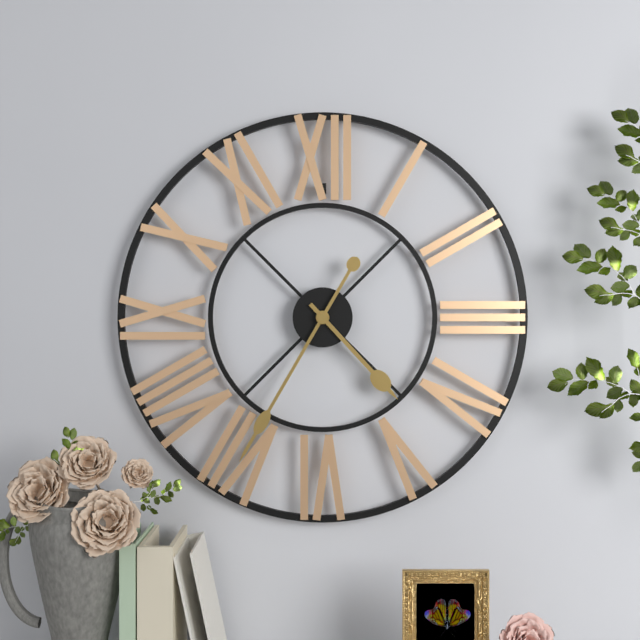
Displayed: **4:35**
